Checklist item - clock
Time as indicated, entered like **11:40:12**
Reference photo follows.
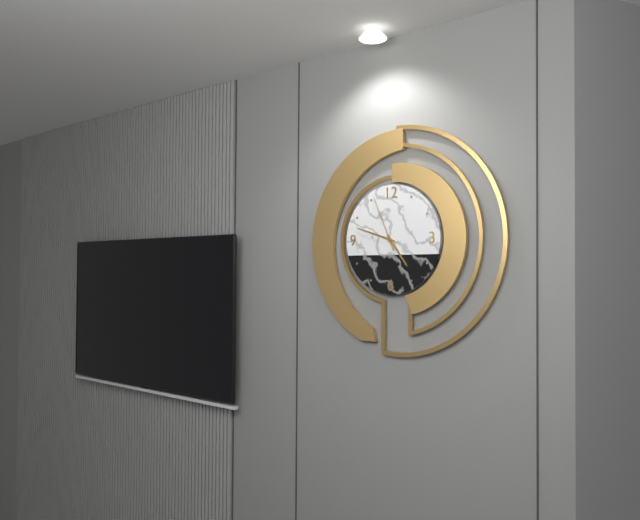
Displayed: **4:48:56**
